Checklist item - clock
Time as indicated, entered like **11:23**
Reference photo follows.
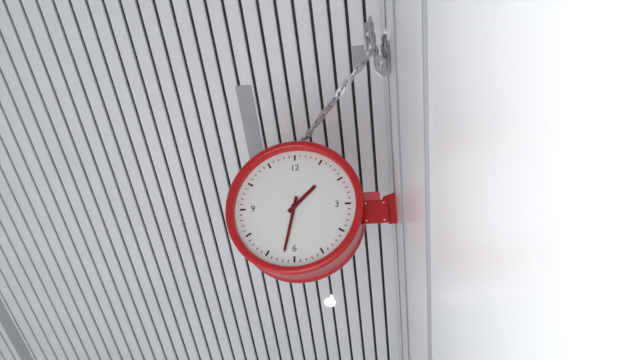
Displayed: **1:32**
